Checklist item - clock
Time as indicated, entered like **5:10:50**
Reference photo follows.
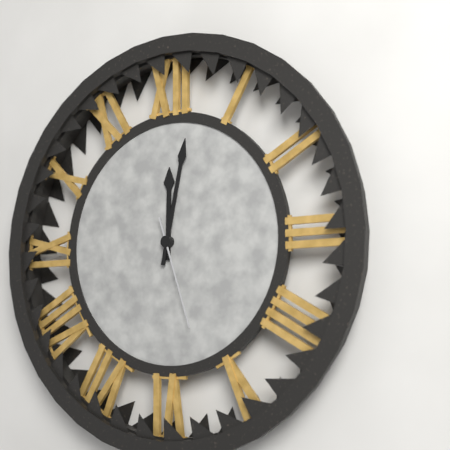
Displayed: **12:02:27**
